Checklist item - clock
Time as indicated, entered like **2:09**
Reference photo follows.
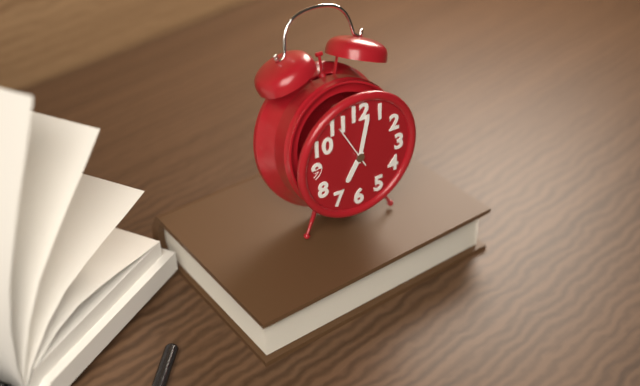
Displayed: **7:02**
